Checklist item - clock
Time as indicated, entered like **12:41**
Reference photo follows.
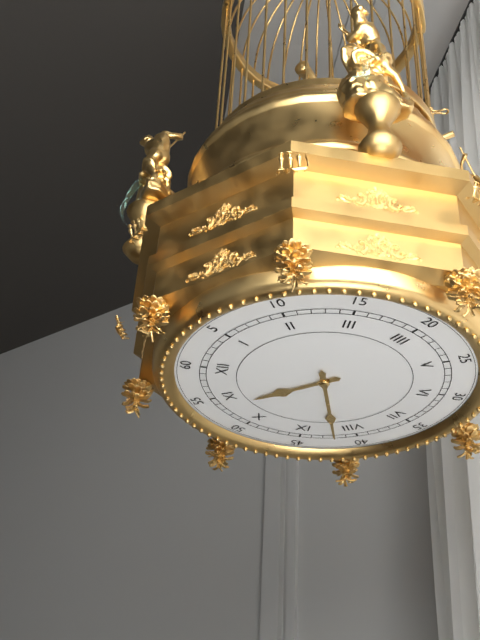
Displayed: **10:42**
